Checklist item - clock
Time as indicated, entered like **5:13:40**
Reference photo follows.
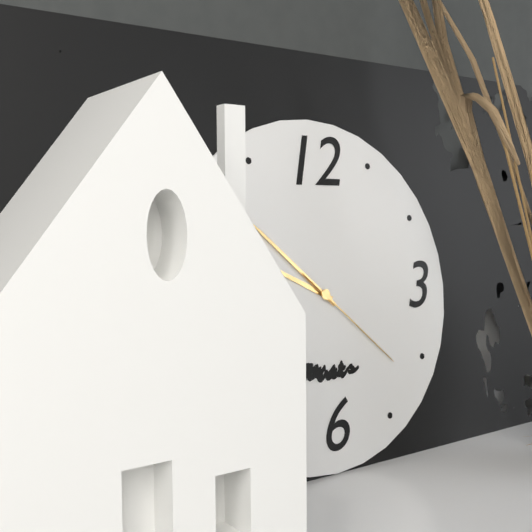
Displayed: **9:52:22**
